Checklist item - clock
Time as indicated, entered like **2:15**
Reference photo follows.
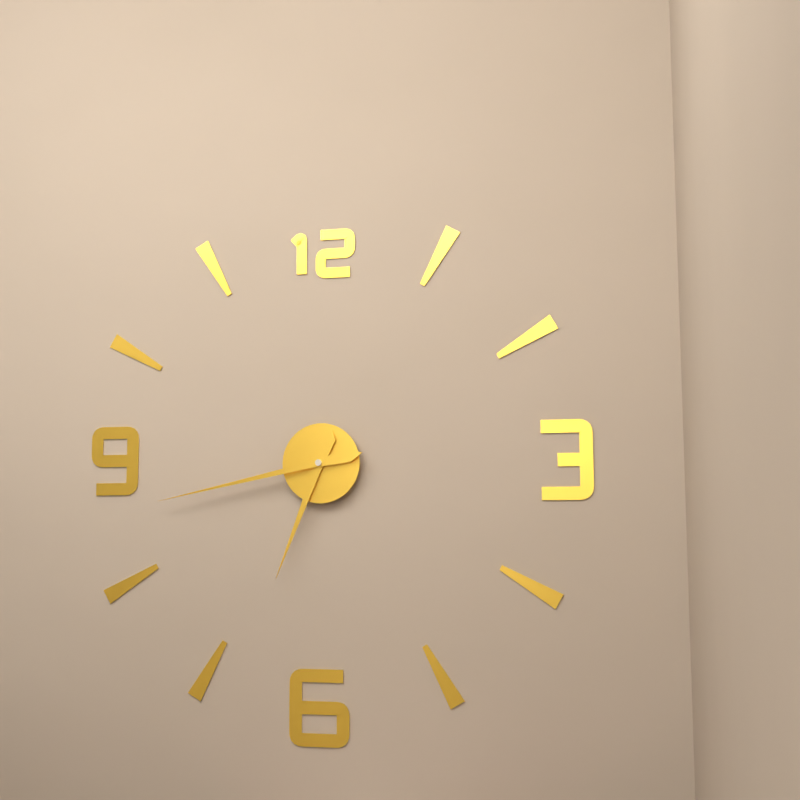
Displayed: **6:43**
